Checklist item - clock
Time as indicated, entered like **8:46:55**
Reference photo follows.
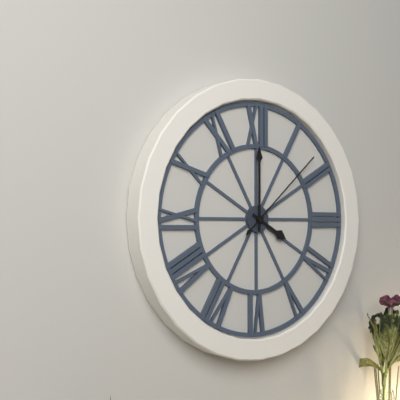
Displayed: **4:00:08**
